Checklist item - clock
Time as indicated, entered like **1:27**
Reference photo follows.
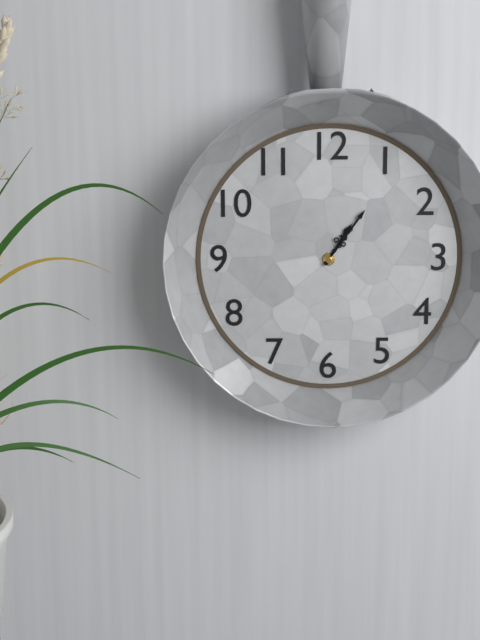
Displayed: **1:06**
